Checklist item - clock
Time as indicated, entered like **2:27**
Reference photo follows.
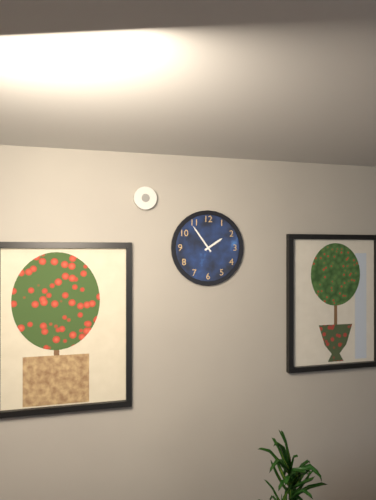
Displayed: **1:54**
